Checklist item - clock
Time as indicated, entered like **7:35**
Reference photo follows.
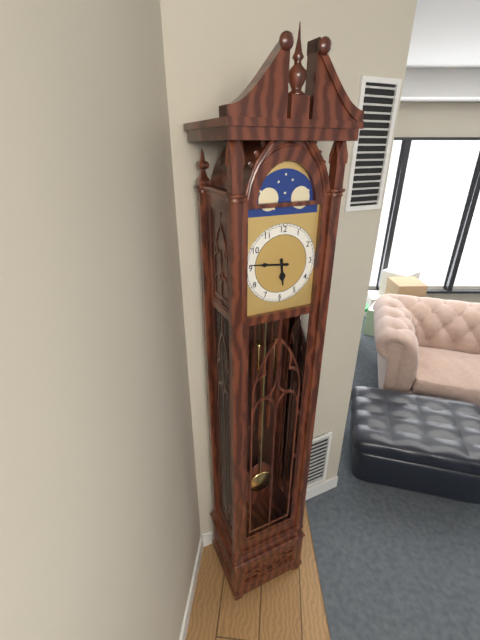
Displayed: **5:46**
